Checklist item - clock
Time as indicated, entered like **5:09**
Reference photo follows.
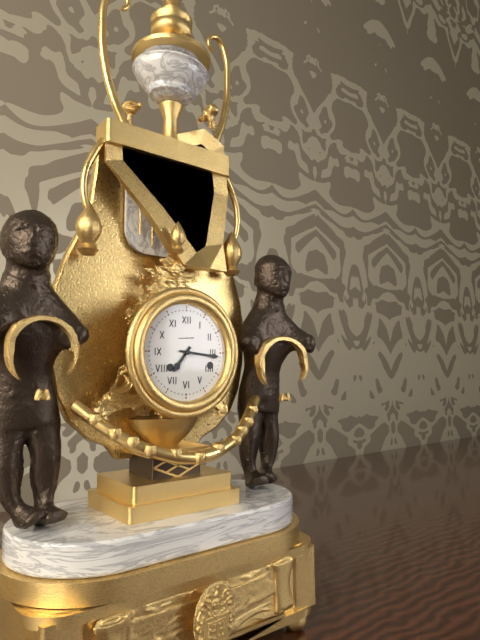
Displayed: **7:16**
